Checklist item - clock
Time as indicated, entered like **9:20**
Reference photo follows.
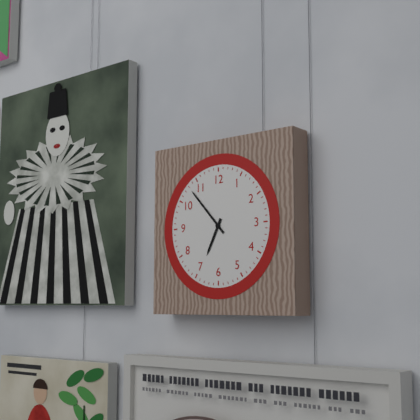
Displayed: **6:53**
